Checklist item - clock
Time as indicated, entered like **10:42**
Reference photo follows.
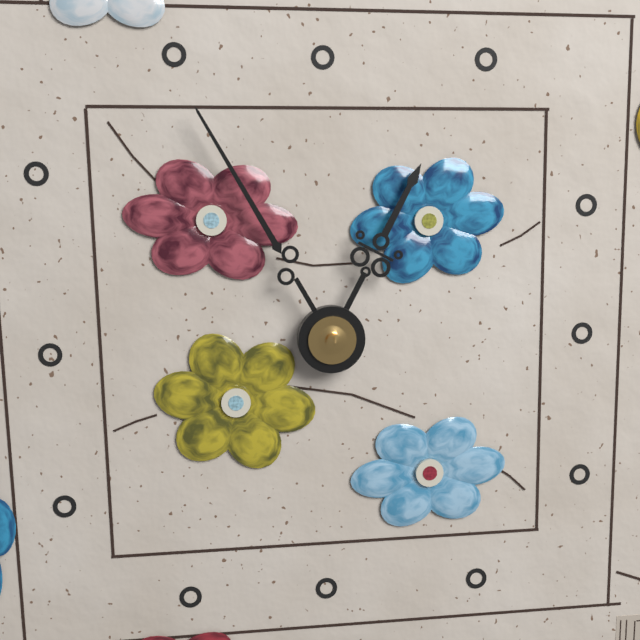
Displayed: **12:55**
